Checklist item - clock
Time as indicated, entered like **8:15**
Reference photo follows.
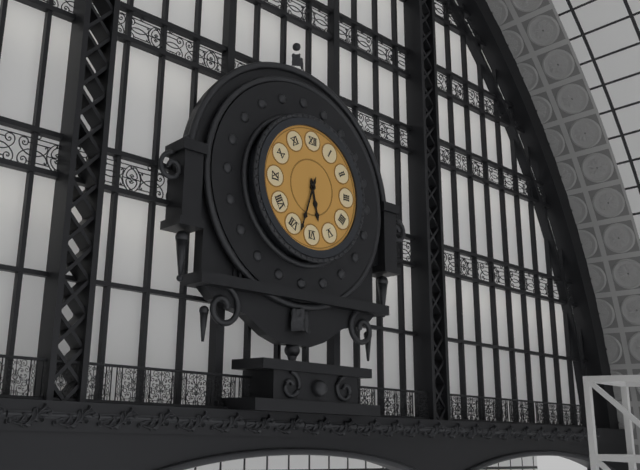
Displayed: **5:33**
